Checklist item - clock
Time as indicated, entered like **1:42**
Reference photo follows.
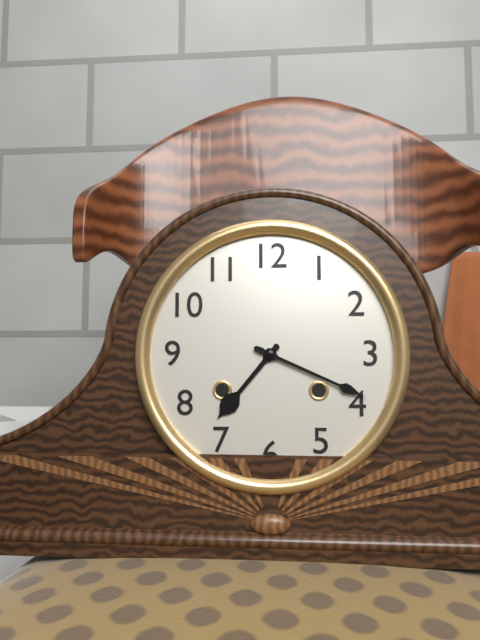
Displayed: **7:19**
